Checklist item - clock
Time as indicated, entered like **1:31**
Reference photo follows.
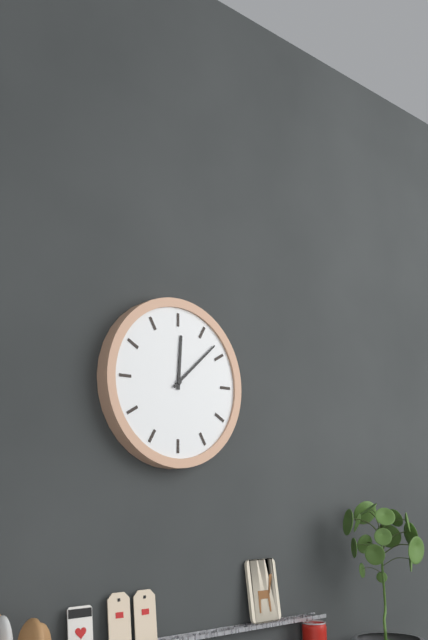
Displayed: **12:08**
